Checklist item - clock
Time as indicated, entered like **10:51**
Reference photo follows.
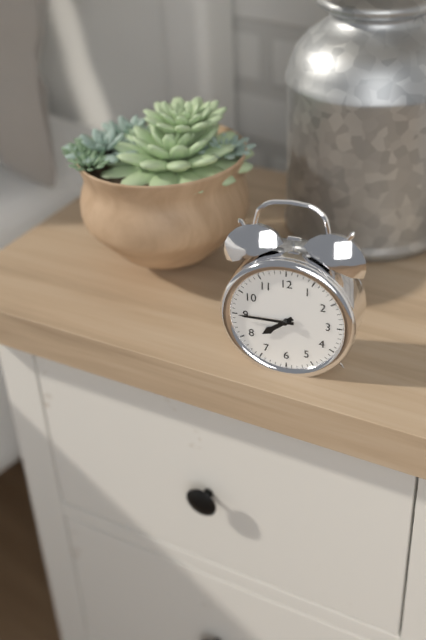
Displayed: **7:45**
